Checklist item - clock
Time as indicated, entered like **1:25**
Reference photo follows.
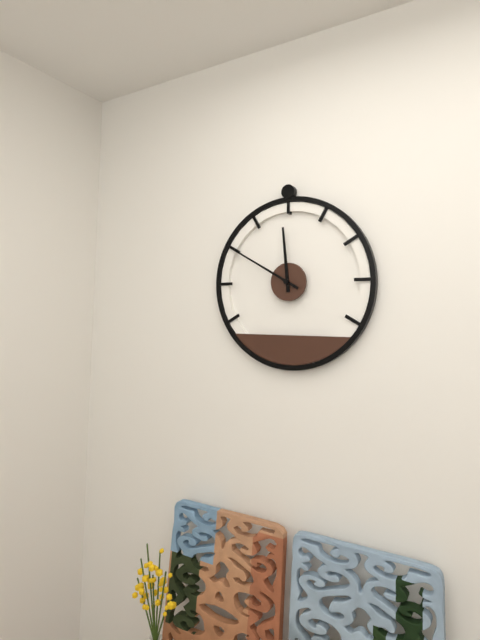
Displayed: **11:50**
